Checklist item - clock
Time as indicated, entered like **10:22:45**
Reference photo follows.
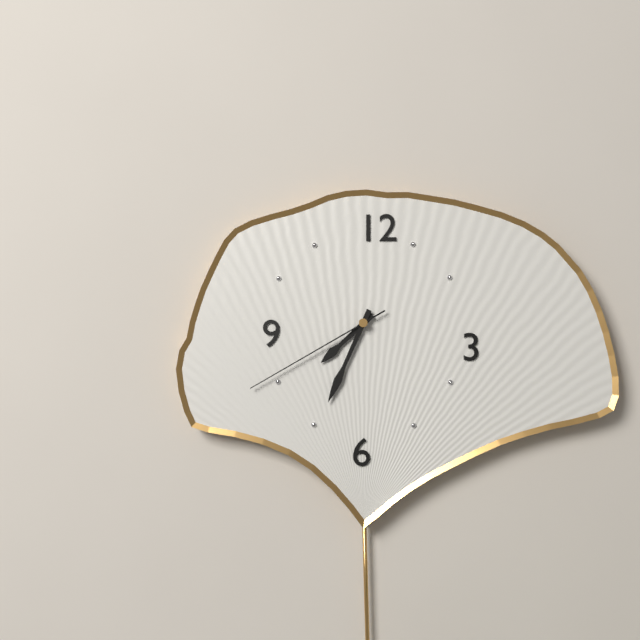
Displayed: **7:34:40**
